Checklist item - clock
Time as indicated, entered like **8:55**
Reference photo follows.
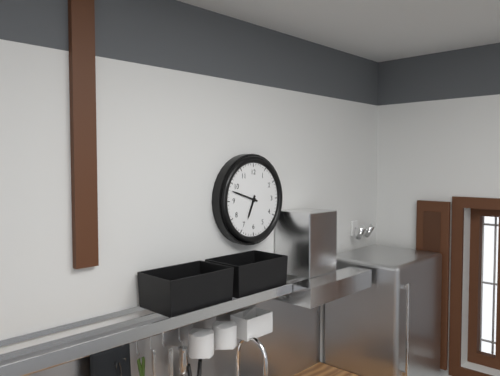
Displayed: **6:48**
